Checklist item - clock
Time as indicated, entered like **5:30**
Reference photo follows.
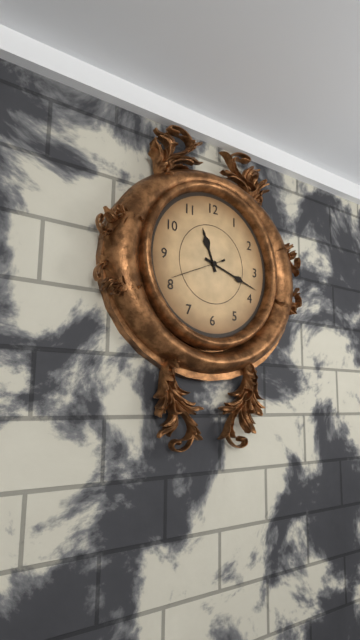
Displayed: **11:18**
